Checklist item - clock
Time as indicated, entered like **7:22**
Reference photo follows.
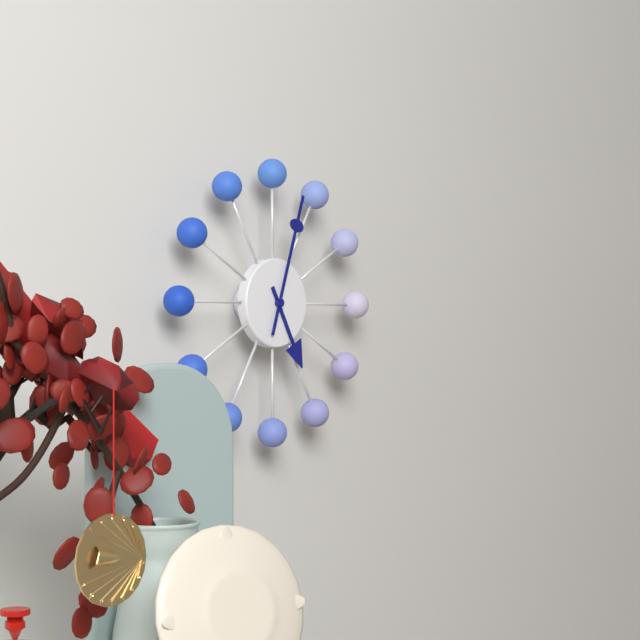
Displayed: **5:03**
